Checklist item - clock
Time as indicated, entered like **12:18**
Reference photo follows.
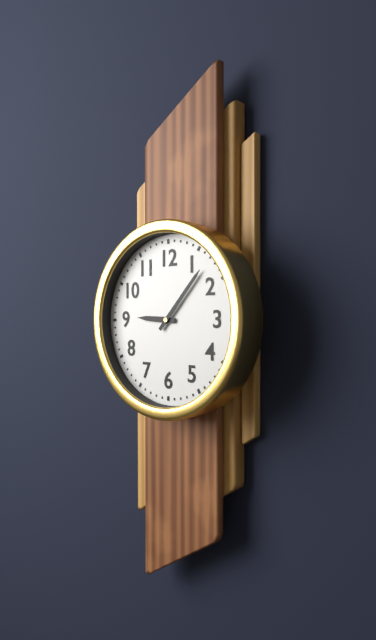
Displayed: **9:07**
